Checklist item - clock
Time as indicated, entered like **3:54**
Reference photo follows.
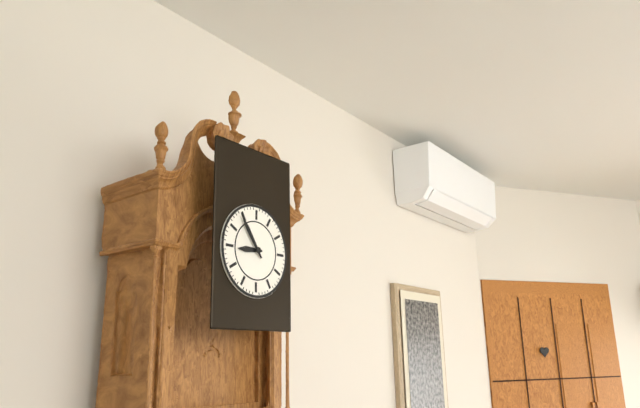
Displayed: **8:54**
